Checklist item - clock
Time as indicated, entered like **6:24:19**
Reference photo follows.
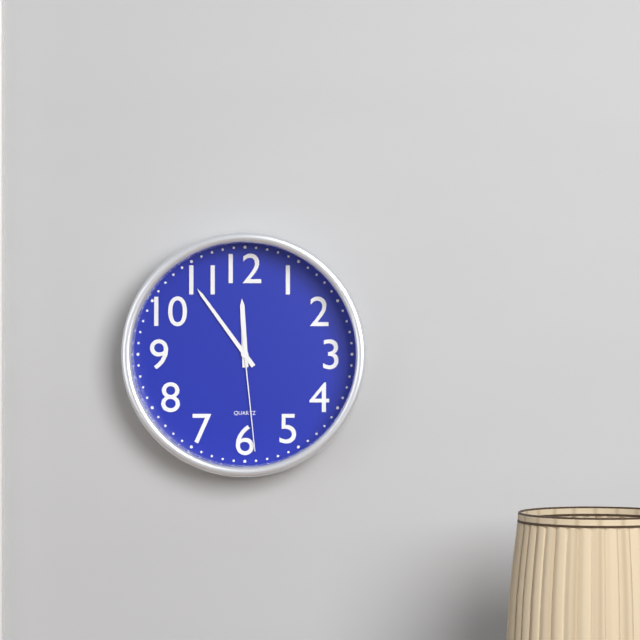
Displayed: **11:54:29**
